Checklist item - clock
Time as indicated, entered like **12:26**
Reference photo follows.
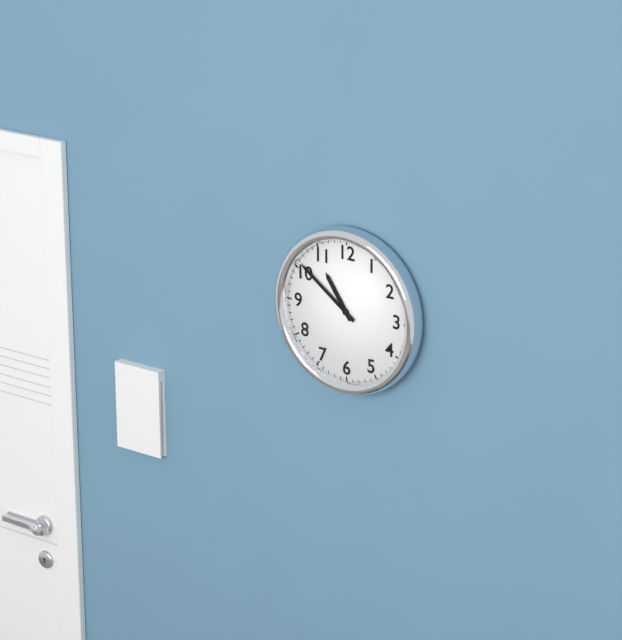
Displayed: **10:51**
